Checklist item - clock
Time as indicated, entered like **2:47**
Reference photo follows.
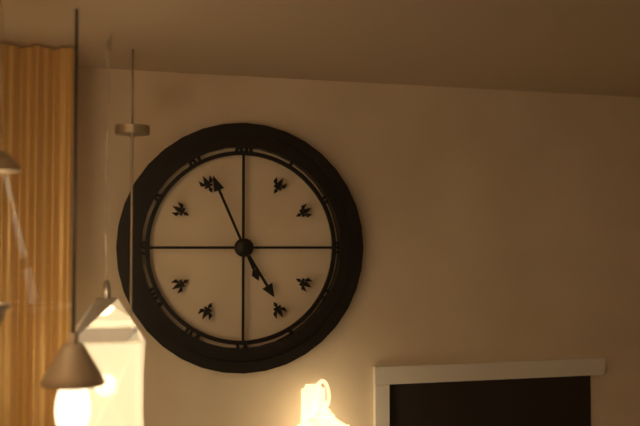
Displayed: **4:56**
